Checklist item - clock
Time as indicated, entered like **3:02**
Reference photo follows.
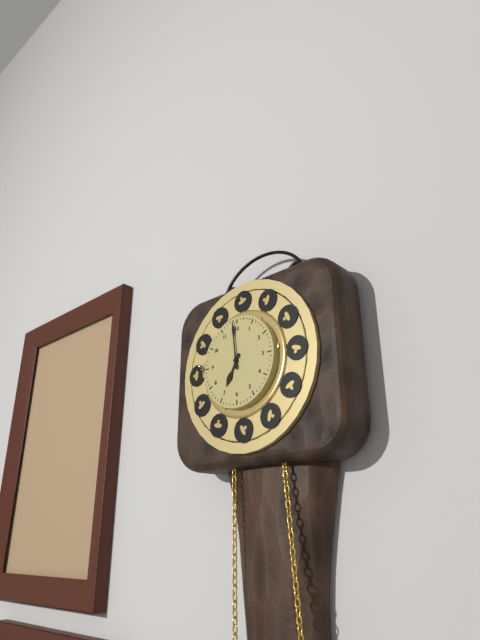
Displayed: **6:59**
